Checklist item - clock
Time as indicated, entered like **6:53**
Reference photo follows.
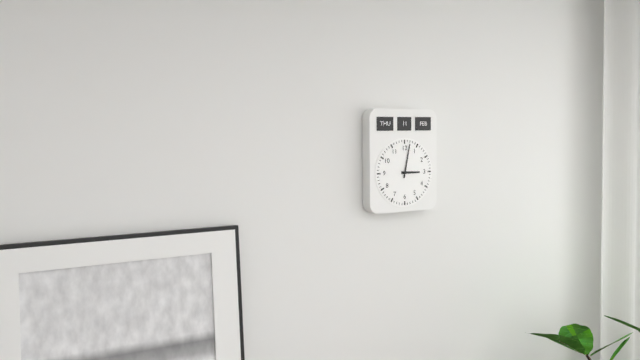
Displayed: **3:02**
